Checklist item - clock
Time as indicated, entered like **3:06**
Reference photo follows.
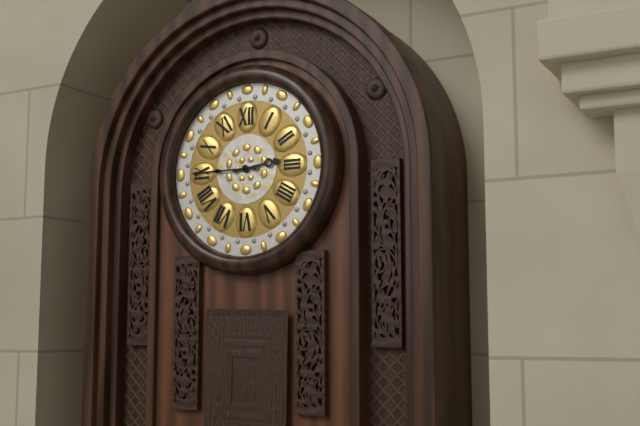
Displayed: **2:45**
